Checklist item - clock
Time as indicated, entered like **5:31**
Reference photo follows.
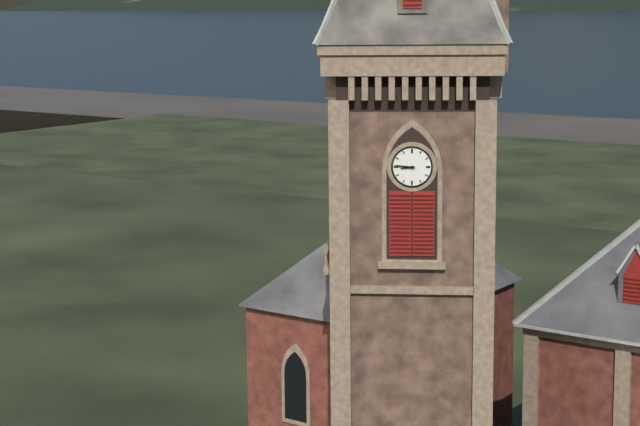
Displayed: **8:46**
